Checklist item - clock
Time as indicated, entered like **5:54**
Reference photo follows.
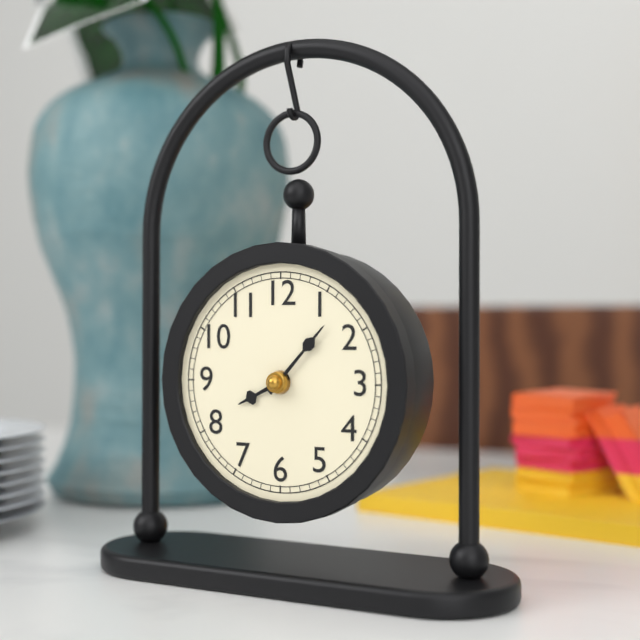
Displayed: **8:07**
